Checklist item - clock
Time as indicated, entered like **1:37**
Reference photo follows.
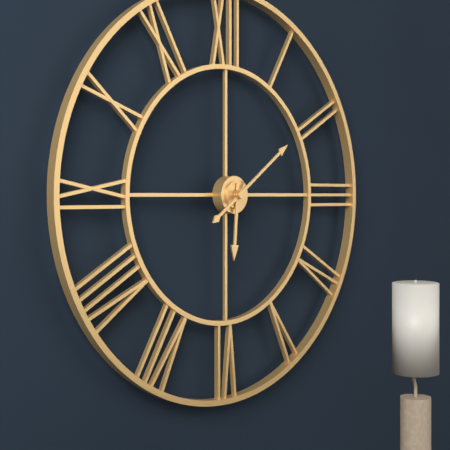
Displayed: **6:09**
